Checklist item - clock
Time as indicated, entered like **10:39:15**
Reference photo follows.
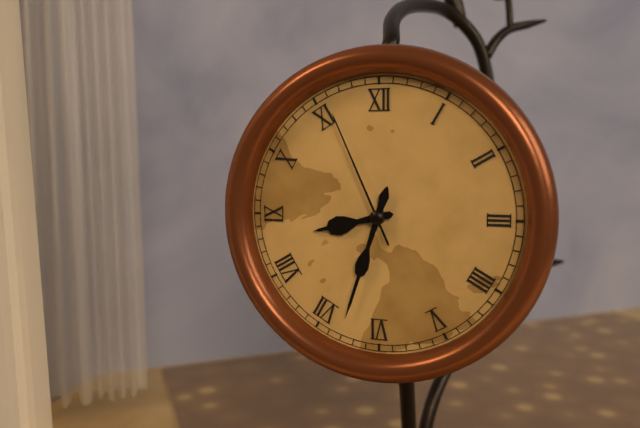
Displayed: **8:33:56**
